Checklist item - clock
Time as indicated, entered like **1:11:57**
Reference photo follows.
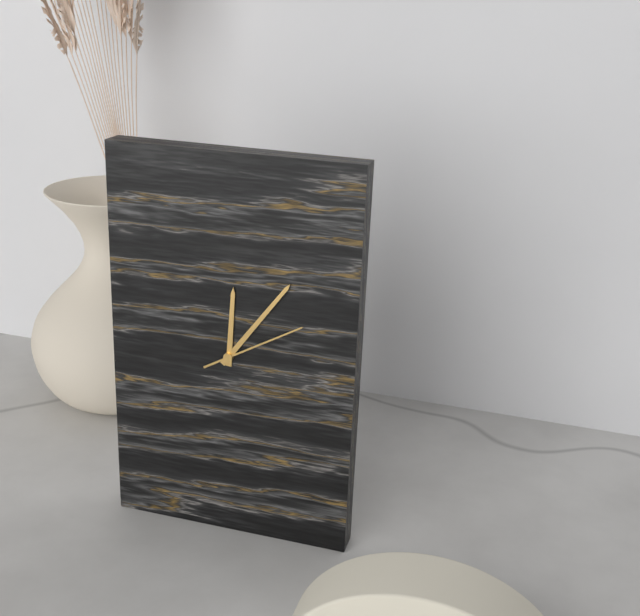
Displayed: **12:06:10**
